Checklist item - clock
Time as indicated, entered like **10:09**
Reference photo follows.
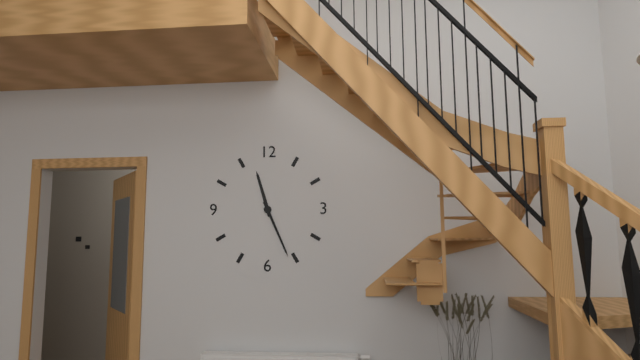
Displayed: **11:26**
